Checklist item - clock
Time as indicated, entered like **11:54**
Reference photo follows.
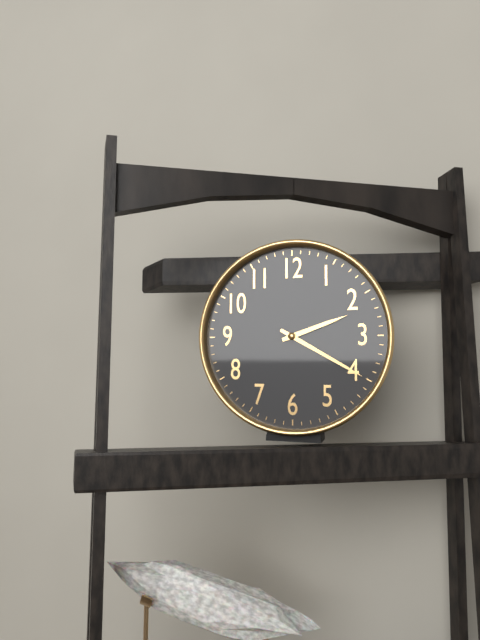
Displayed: **2:20**
